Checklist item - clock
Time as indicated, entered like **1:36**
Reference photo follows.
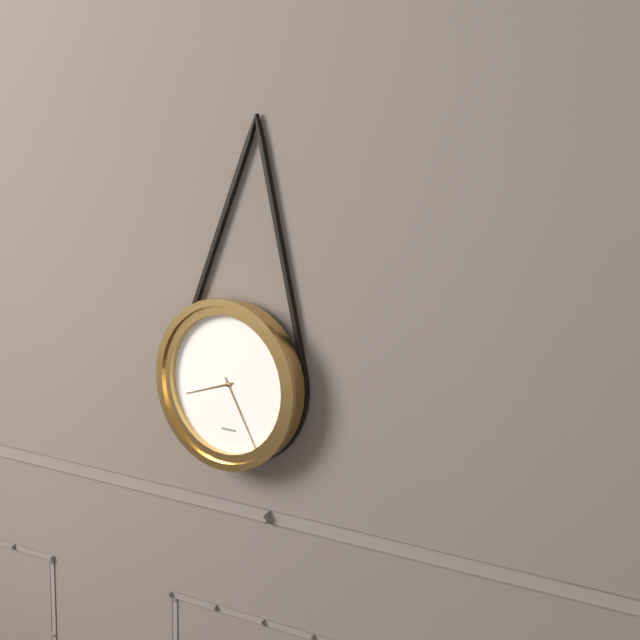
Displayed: **8:25**
